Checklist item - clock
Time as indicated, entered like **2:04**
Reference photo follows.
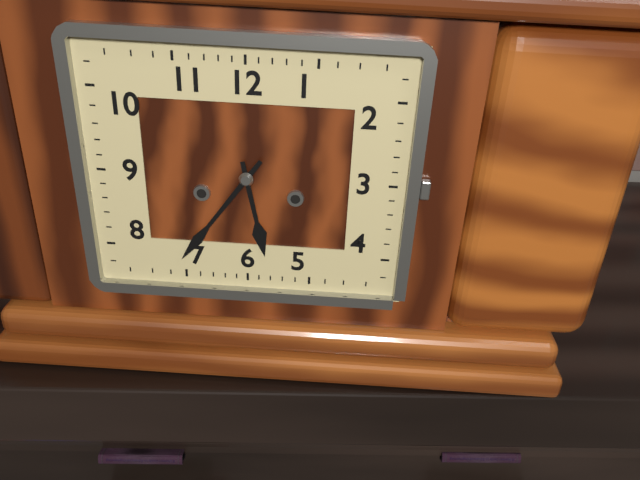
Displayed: **5:36**
